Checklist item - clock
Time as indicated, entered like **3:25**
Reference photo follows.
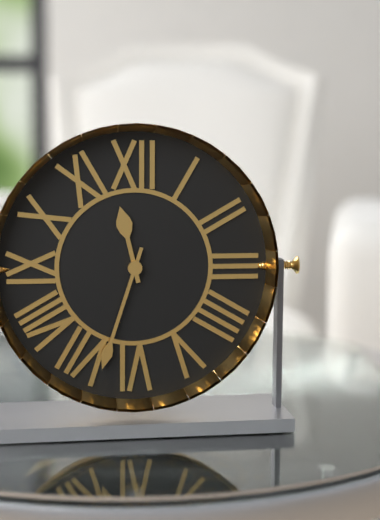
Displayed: **11:33**
